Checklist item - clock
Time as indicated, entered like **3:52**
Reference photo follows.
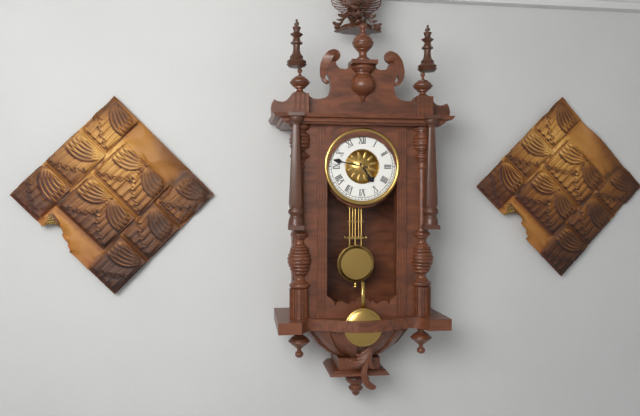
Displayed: **4:47**
